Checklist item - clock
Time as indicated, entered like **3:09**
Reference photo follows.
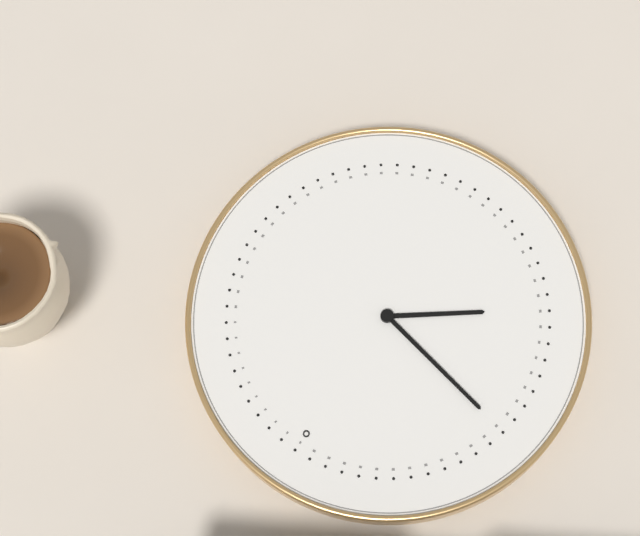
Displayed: **7:47**
